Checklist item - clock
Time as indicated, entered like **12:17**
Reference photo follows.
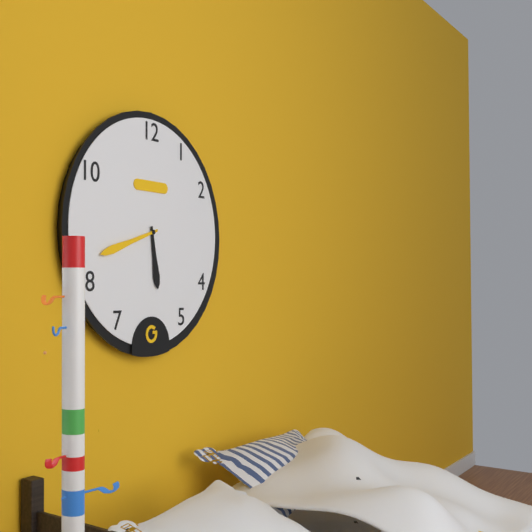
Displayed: **5:42**
